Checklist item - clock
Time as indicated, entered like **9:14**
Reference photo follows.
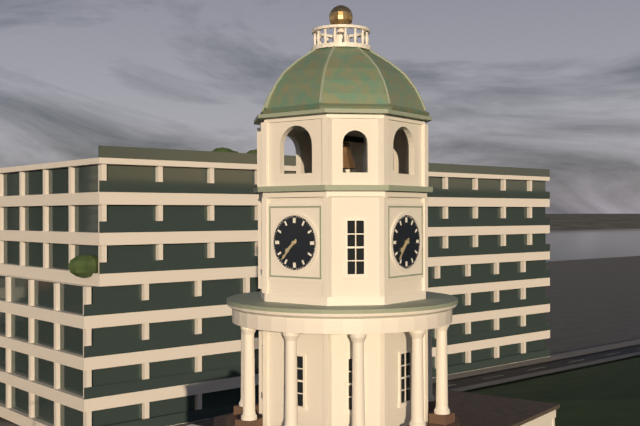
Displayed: **7:37**
